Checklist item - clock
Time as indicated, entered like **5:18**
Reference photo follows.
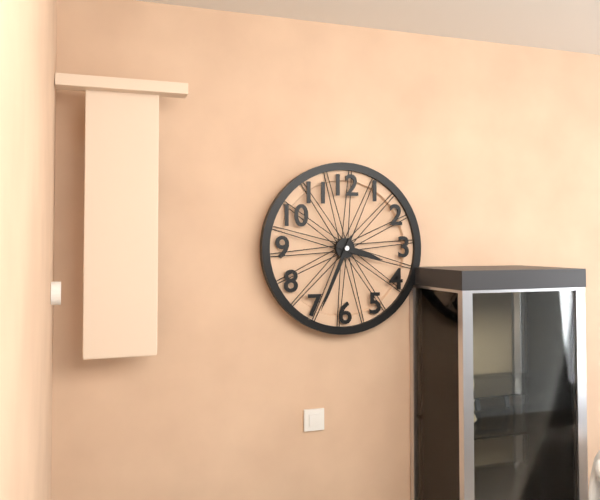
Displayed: **3:34**
